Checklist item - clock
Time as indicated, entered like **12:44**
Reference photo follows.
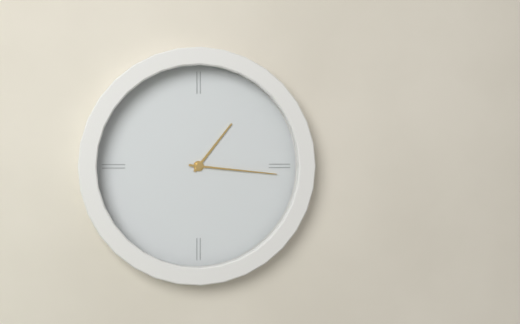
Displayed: **1:16**
